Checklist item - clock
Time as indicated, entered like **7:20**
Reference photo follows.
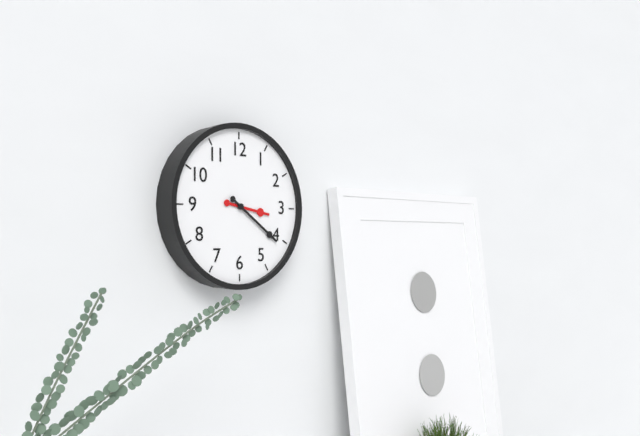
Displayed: **3:21**
